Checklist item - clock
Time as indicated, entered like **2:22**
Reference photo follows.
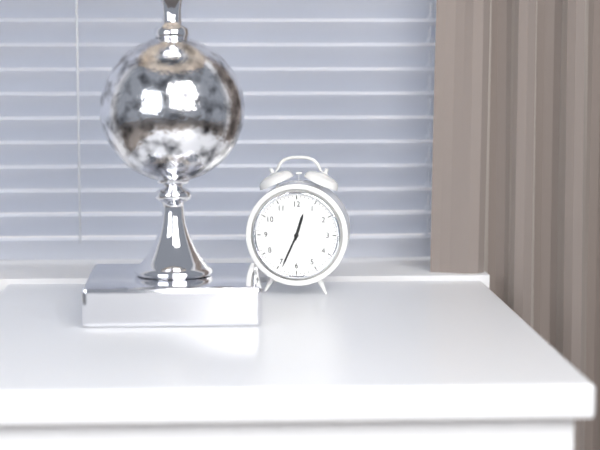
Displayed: **12:34**
